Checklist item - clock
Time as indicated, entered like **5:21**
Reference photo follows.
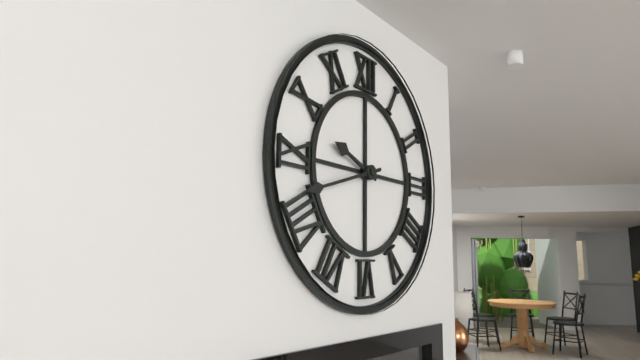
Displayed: **9:42**
